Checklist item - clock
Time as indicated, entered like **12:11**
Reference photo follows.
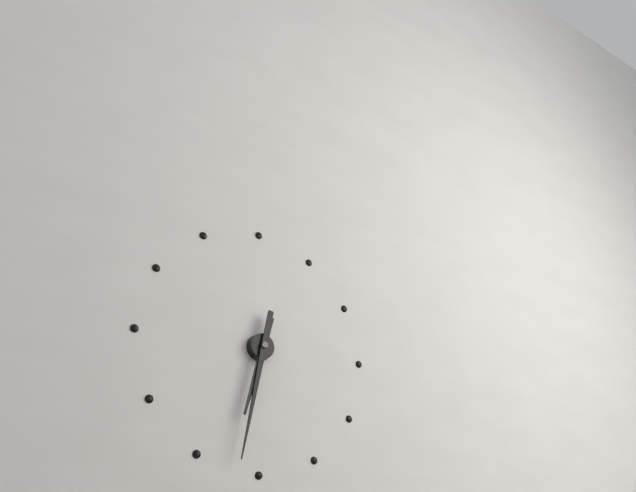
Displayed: **6:32**
